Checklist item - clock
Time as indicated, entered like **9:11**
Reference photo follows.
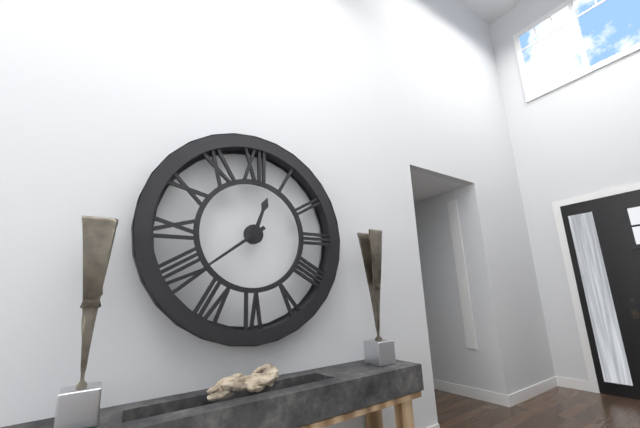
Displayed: **12:39**
